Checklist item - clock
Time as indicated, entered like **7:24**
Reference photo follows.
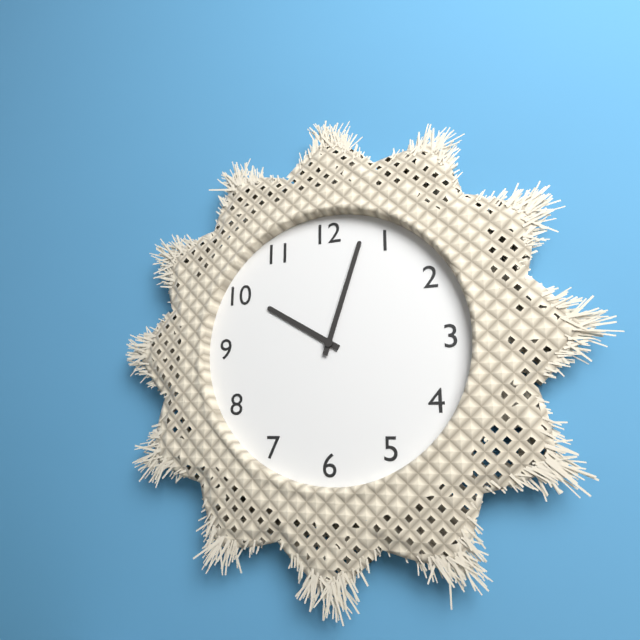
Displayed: **10:03**
